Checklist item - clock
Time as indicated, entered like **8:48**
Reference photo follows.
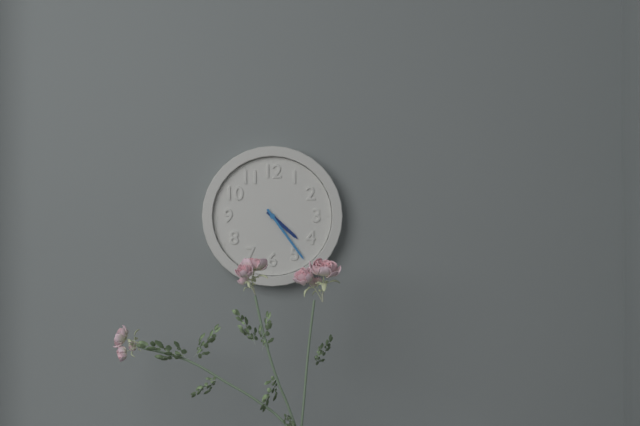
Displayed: **4:24**
